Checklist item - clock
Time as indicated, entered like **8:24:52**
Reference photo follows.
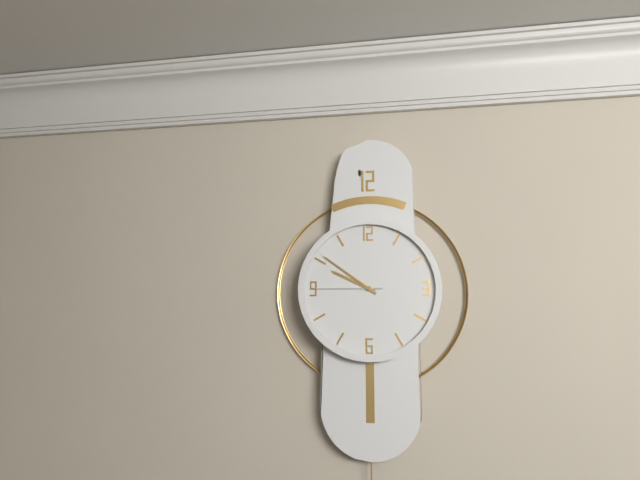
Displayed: **9:51:45**
